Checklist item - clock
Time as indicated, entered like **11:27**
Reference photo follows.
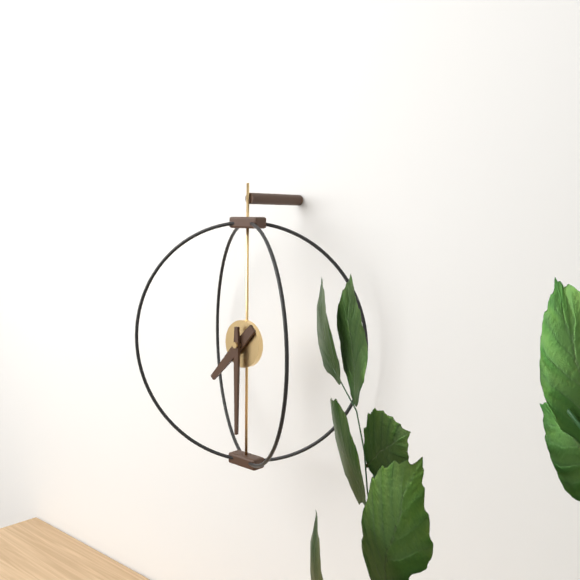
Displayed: **7:30**
